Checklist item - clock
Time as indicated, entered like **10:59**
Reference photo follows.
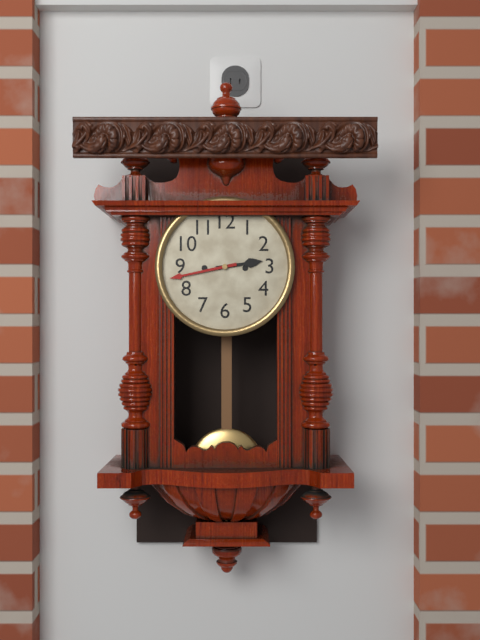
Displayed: **2:43**
